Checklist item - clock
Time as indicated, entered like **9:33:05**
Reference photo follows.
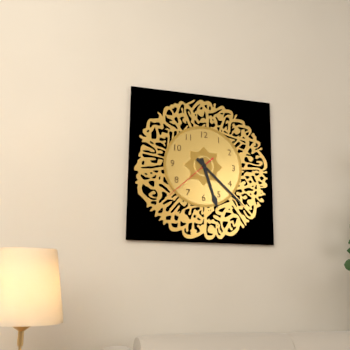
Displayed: **5:22:38**
